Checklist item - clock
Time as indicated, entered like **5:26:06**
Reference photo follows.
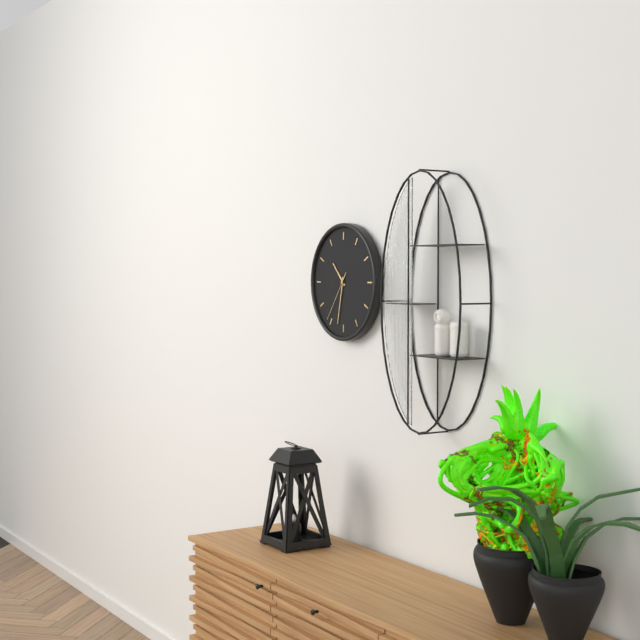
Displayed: **10:32:36**
